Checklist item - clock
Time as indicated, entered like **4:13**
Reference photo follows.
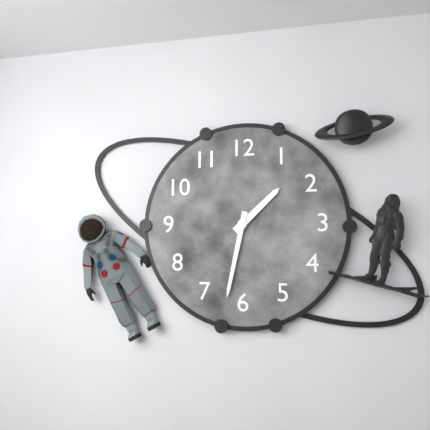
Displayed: **1:32**
